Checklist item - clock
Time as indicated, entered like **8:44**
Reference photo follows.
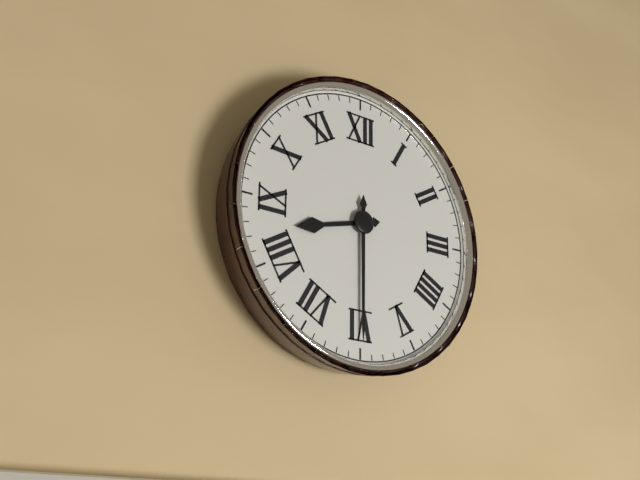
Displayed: **8:30**
